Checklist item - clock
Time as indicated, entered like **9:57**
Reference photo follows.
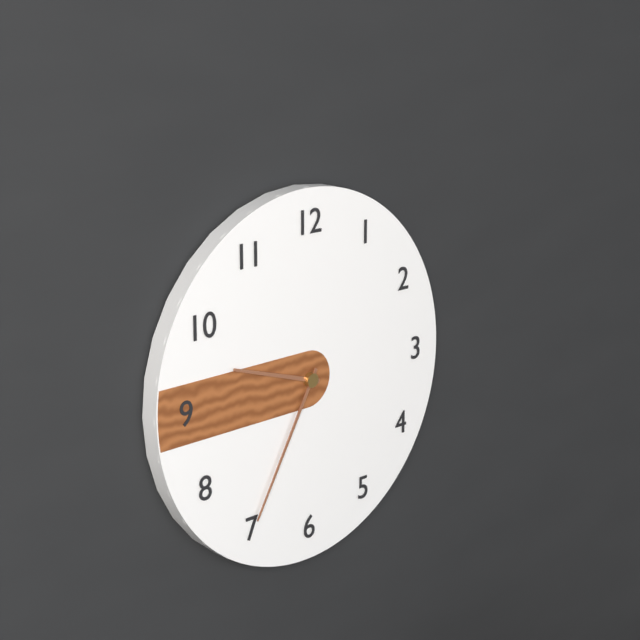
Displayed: **9:35**
